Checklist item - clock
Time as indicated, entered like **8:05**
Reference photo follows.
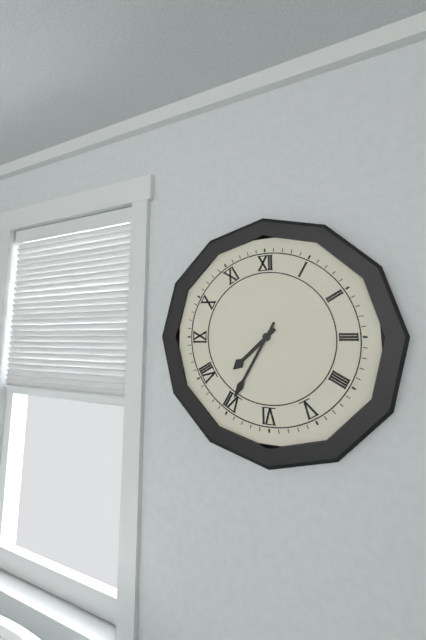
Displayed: **7:35**
